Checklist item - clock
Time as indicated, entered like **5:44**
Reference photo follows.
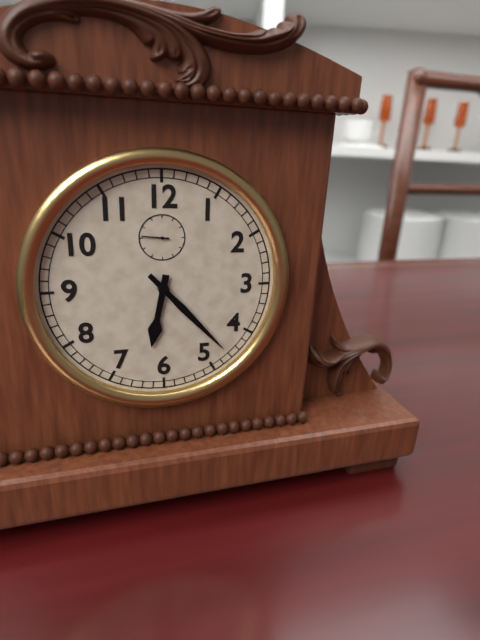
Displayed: **6:23**
